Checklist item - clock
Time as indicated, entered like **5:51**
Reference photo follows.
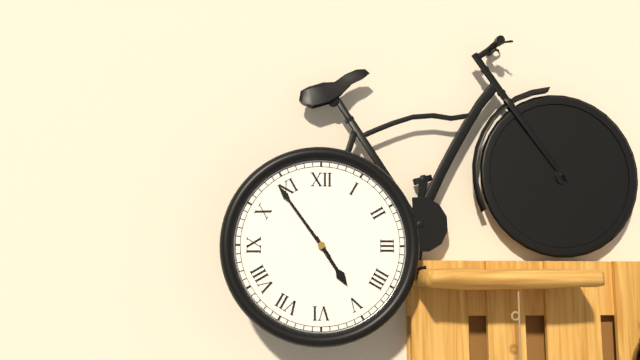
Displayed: **4:54**
